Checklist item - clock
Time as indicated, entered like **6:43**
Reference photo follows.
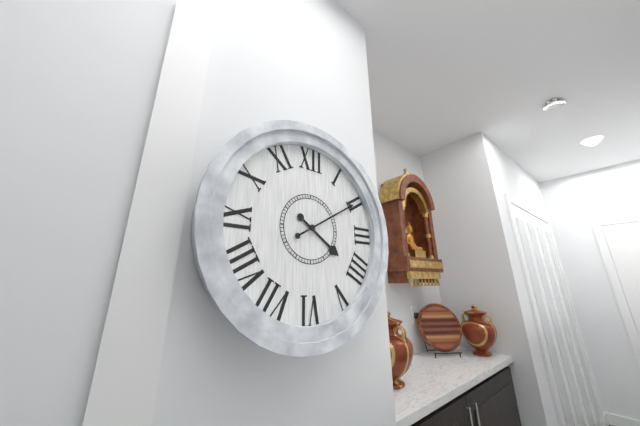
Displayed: **4:10**
